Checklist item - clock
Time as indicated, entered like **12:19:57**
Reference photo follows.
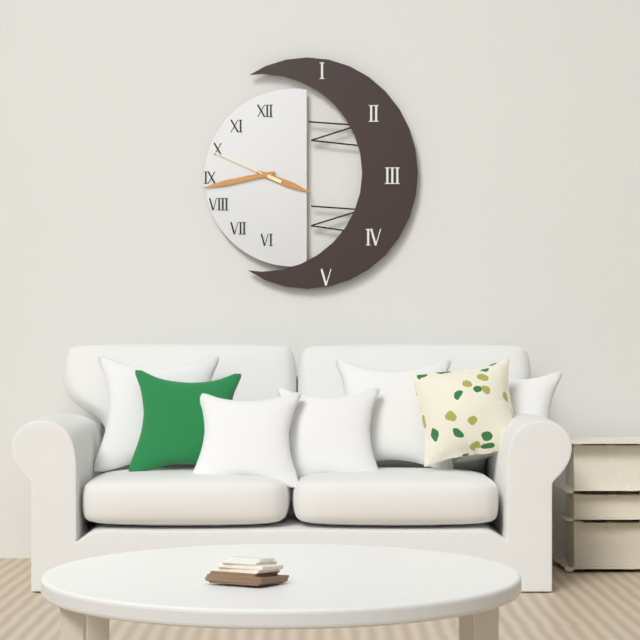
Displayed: **3:43:49**
